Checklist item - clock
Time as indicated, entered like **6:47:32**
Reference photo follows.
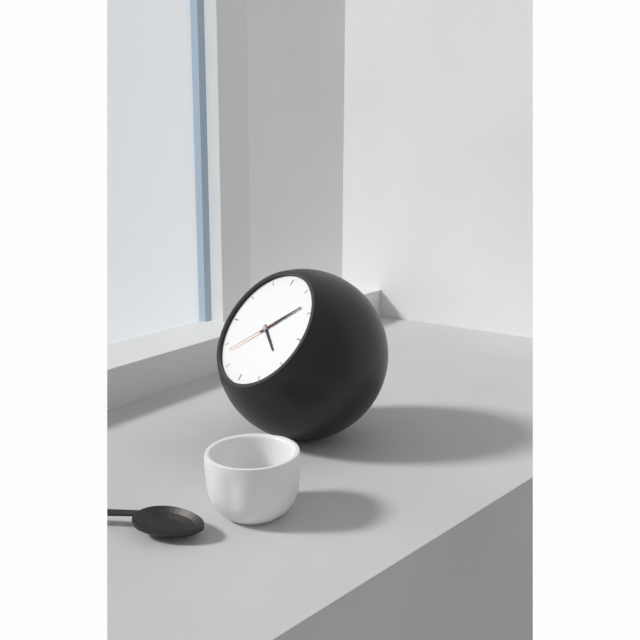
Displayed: **4:08:38**
